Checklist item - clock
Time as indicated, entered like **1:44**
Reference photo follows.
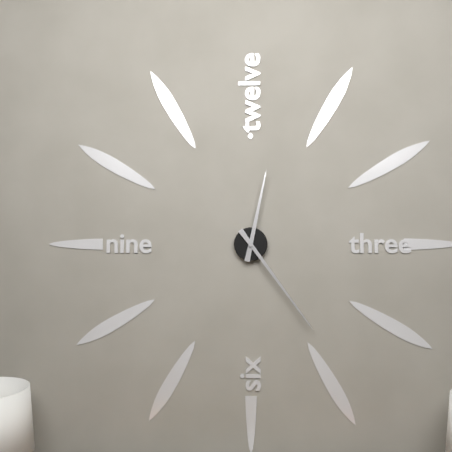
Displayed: **12:24**
